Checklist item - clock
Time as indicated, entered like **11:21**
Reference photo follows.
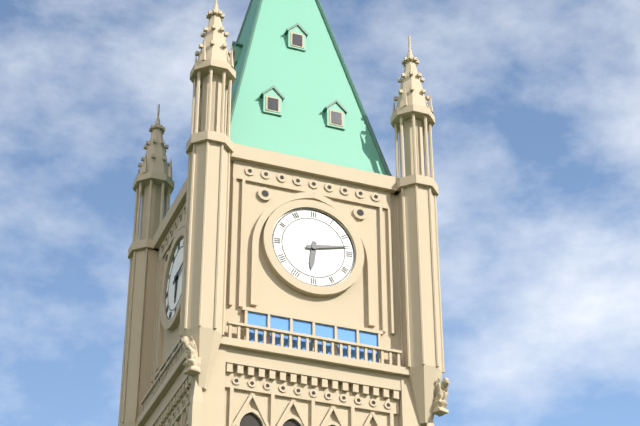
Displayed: **6:13**
